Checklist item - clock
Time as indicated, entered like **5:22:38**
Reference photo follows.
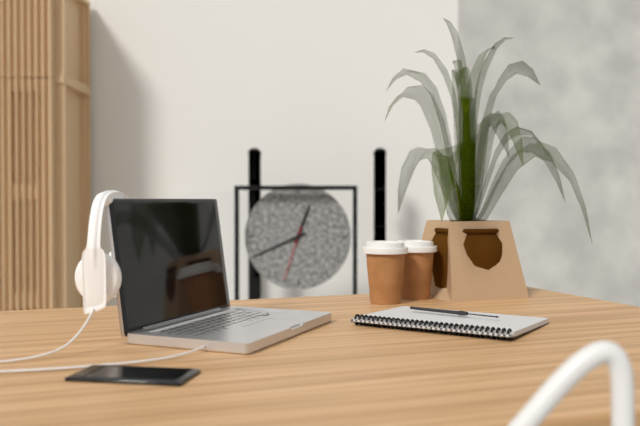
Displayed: **12:41:33**
